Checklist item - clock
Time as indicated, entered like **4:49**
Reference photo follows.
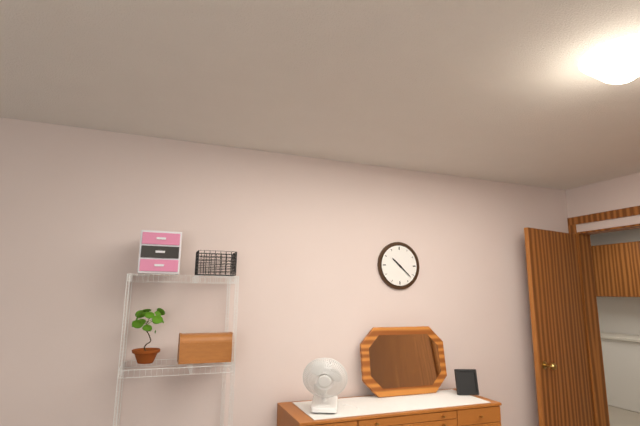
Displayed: **10:22**
